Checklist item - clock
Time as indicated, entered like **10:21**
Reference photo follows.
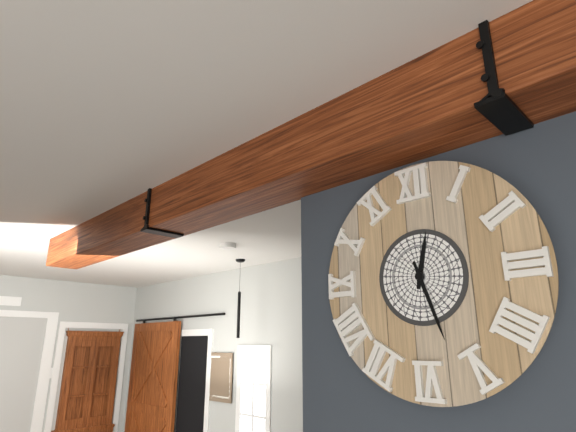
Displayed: **12:27**
